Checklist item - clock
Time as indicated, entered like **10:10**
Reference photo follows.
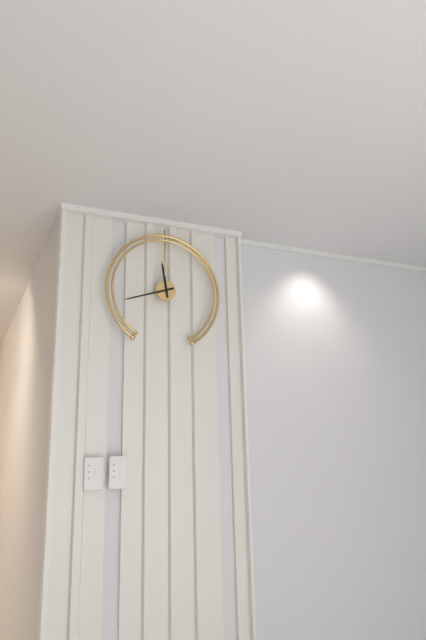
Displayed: **11:42**
